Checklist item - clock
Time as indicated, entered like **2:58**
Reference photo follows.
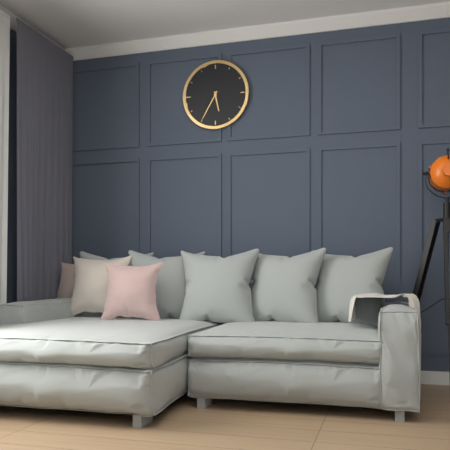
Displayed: **5:35**
